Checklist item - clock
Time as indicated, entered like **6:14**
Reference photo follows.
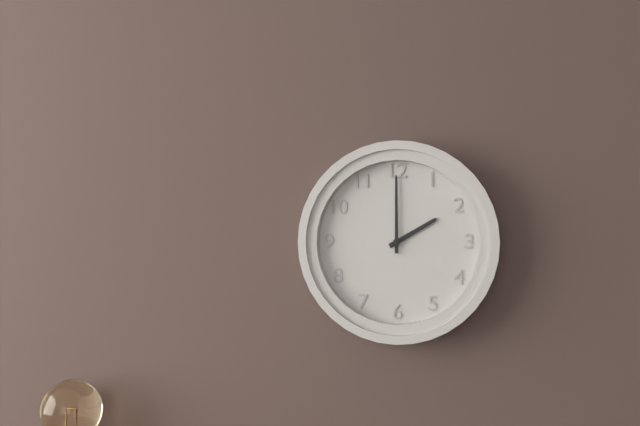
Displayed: **2:00**
